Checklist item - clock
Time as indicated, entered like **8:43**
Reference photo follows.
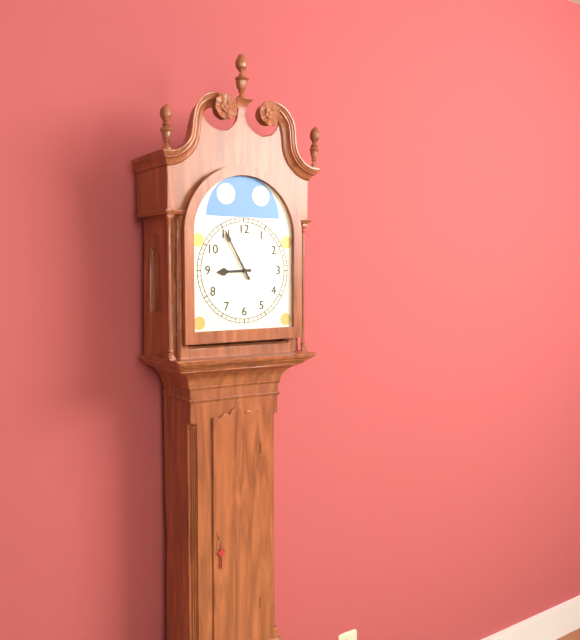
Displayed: **8:55**
